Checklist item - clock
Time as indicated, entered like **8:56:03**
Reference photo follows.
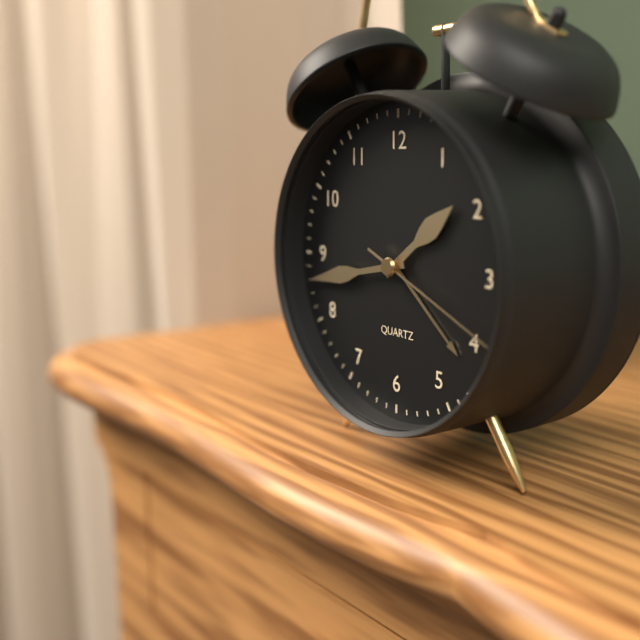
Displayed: **1:43:19**
